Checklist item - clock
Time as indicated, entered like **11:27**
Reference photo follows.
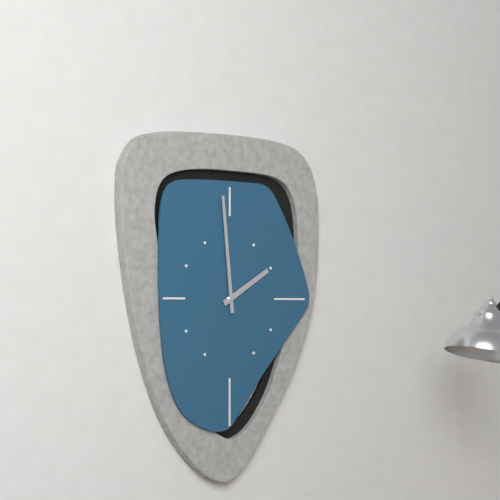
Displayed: **1:59**
